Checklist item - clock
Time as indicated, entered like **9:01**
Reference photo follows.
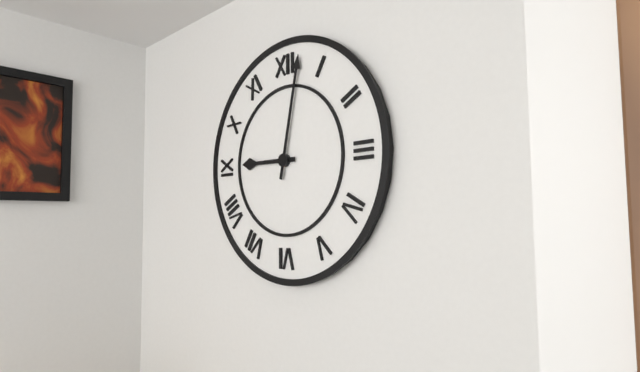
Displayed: **9:02**
